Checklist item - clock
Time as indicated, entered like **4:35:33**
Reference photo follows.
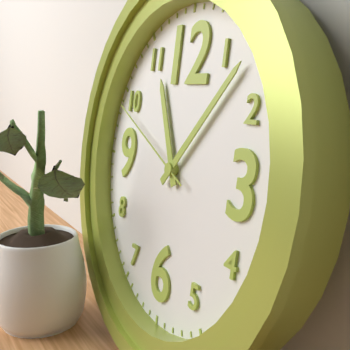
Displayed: **11:07:49**
